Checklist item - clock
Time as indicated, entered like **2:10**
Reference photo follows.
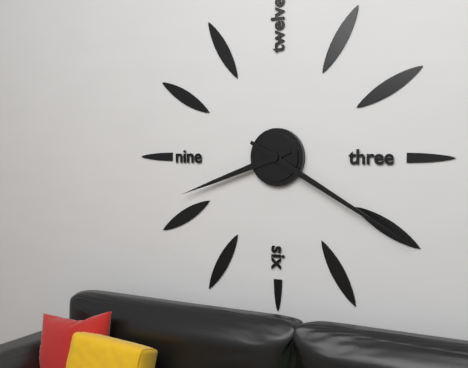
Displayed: **8:20**
